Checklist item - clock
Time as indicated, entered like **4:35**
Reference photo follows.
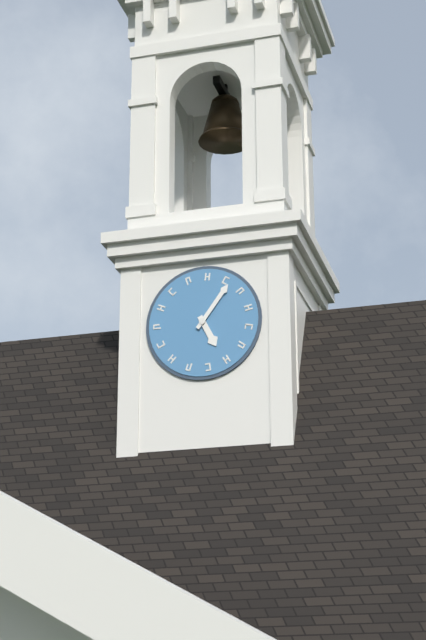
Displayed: **5:06**
